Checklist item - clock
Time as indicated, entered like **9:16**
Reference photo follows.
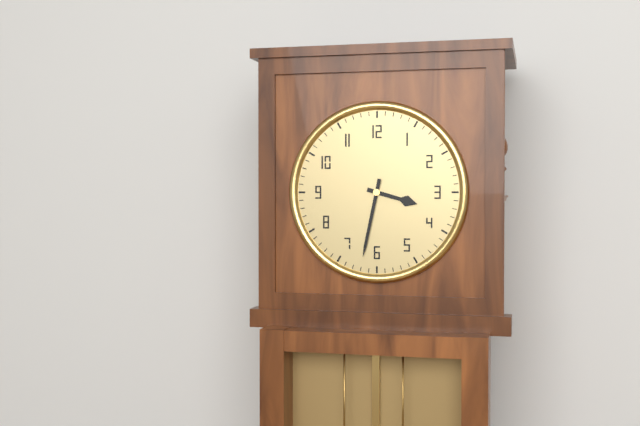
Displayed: **3:32**
